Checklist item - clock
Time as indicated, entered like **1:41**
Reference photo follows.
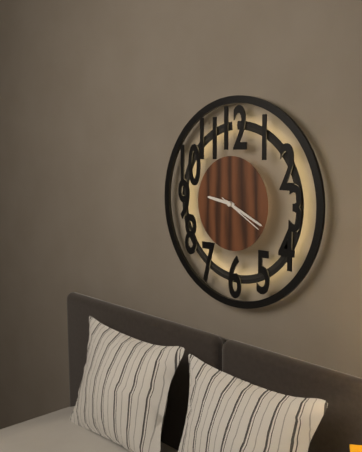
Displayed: **9:19**
